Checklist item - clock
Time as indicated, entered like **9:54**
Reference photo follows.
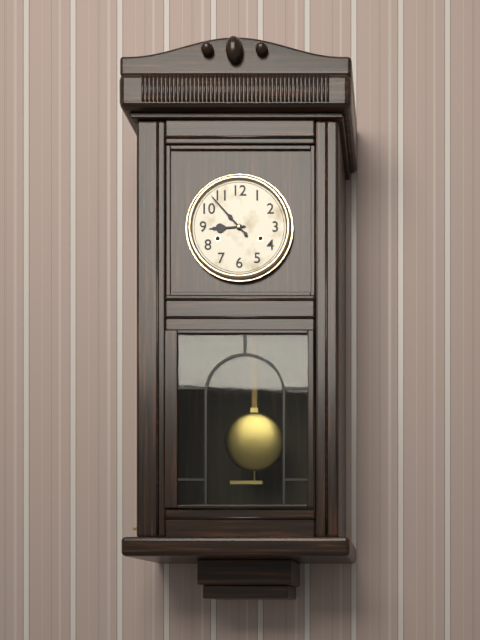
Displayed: **8:53**
